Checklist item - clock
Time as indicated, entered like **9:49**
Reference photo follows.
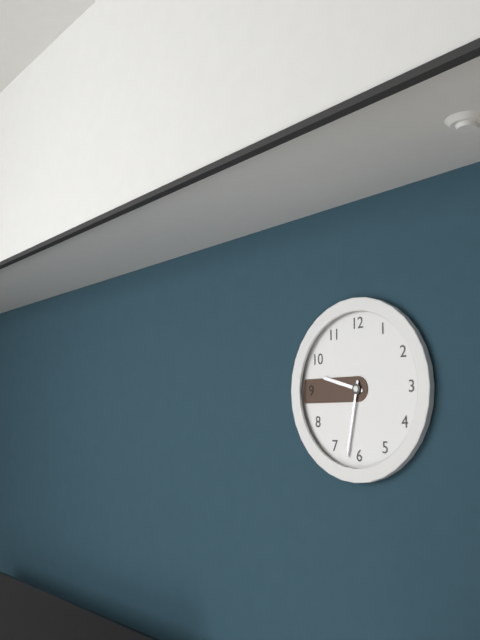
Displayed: **9:32**
